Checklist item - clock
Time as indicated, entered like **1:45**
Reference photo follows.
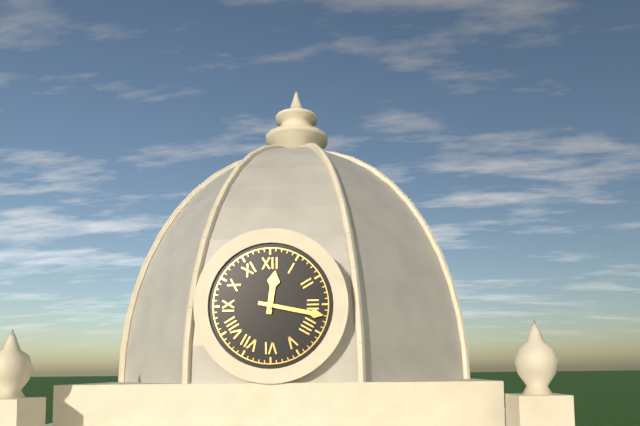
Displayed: **12:17**
